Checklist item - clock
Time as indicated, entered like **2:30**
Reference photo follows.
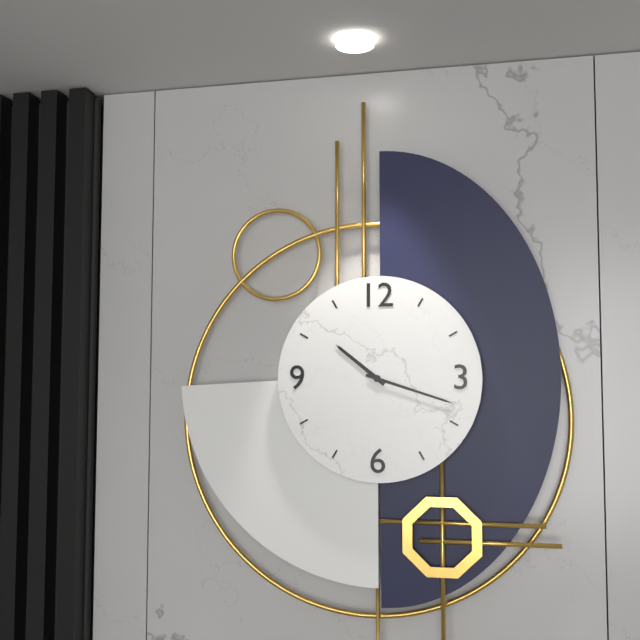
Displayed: **10:18**
